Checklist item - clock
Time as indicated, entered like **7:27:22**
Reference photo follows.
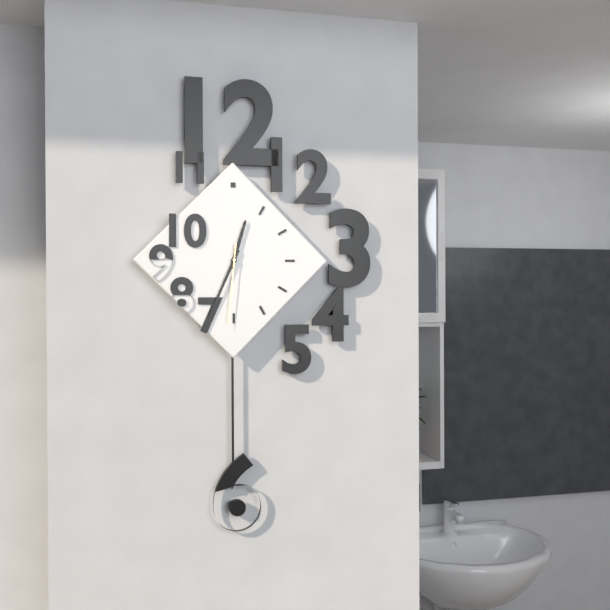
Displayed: **12:34:31**
